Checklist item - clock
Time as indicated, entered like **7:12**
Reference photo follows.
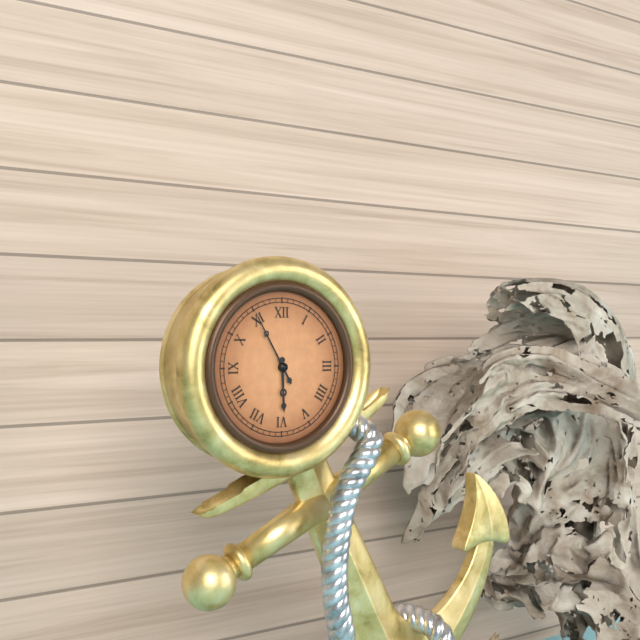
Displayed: **5:55**
